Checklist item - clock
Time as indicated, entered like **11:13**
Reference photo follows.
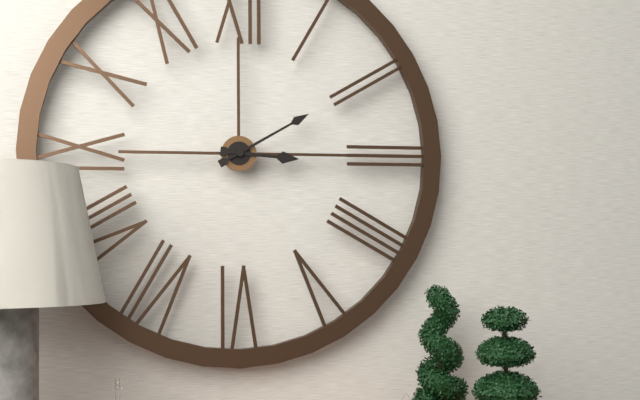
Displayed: **3:10**
